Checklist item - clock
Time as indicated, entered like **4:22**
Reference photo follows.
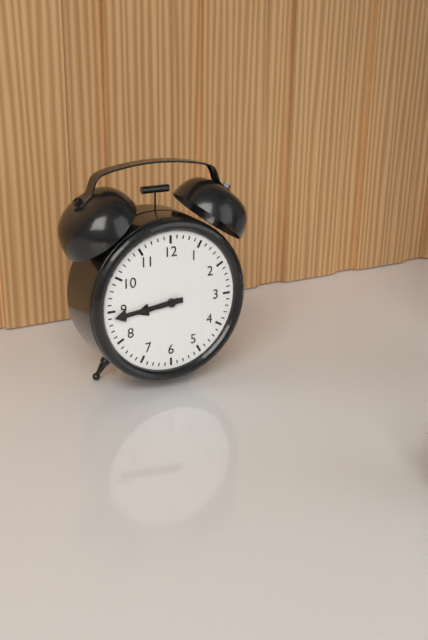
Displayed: **8:44**
